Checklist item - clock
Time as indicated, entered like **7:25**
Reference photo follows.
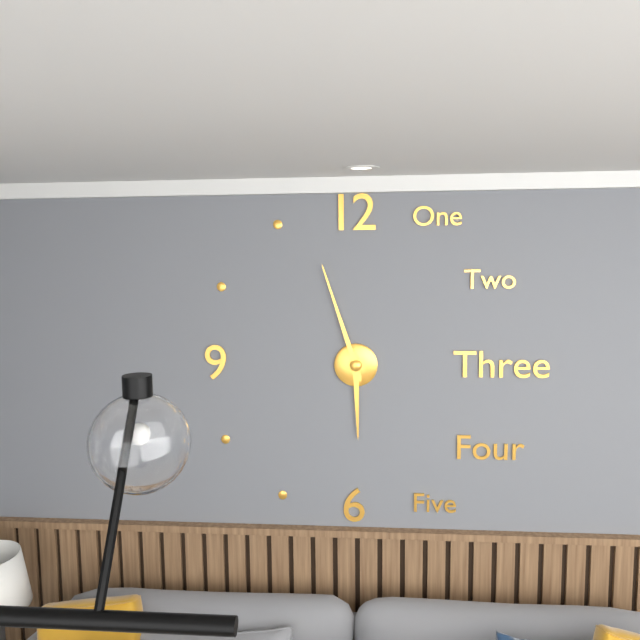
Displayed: **5:57**
